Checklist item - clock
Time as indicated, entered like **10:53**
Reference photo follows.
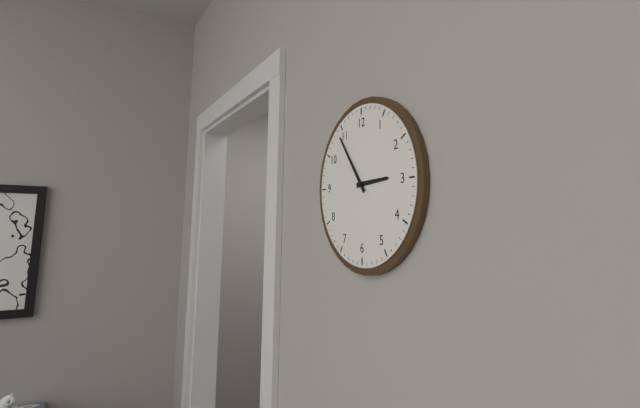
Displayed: **2:54**
